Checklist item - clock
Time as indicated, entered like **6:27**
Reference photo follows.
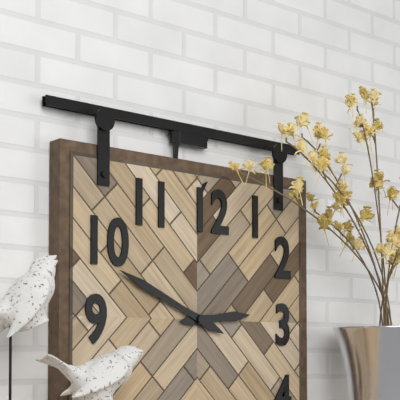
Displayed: **2:49**
